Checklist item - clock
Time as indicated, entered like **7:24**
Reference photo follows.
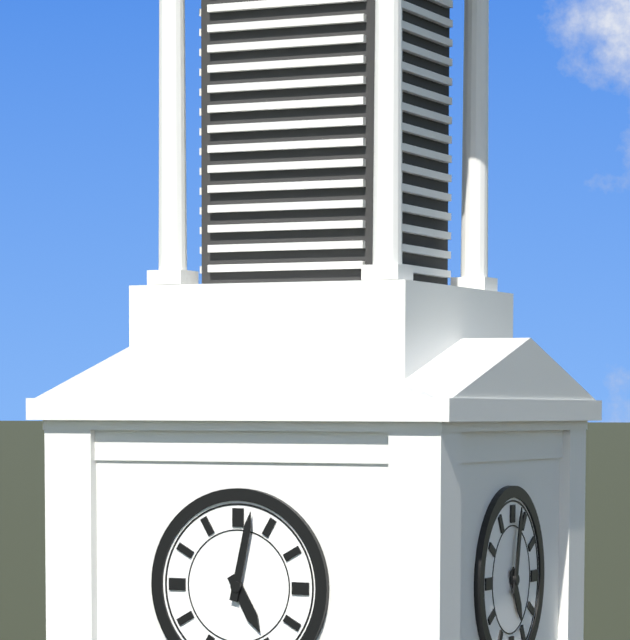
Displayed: **5:02**
